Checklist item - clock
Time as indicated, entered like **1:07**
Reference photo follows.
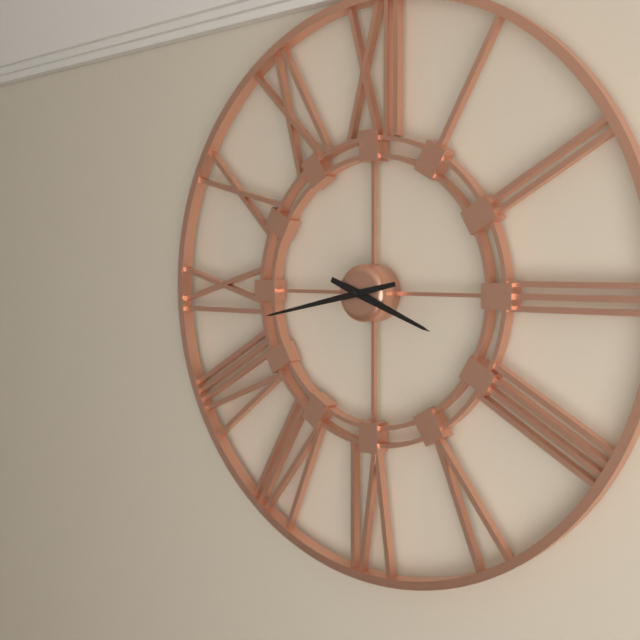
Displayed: **3:43**
